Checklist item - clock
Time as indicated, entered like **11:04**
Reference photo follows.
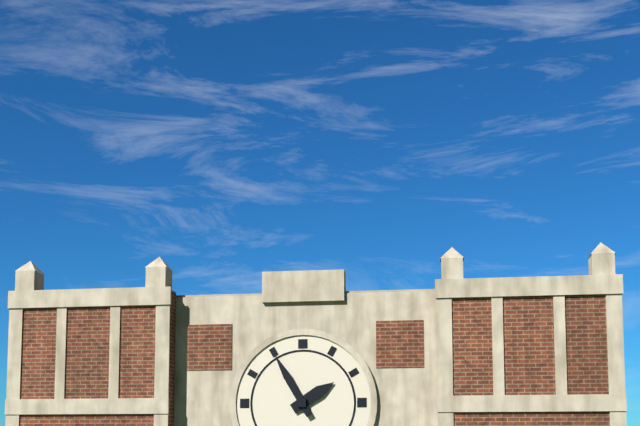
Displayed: **1:55**
